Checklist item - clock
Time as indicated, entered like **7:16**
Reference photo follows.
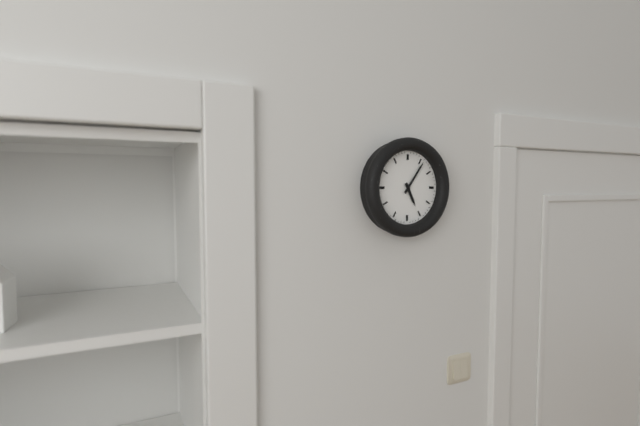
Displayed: **5:06**
